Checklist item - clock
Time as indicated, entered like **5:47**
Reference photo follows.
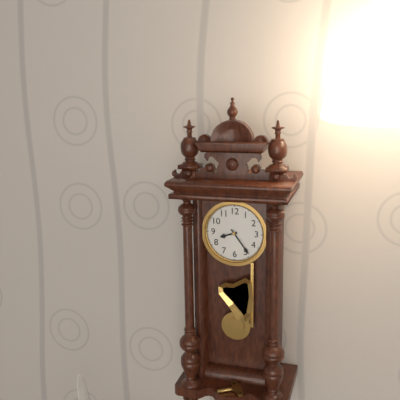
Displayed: **8:24**
